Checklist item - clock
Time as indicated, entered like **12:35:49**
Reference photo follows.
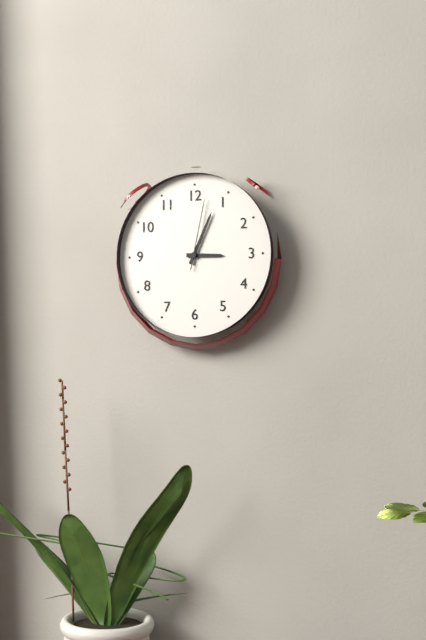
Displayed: **3:04:02**
